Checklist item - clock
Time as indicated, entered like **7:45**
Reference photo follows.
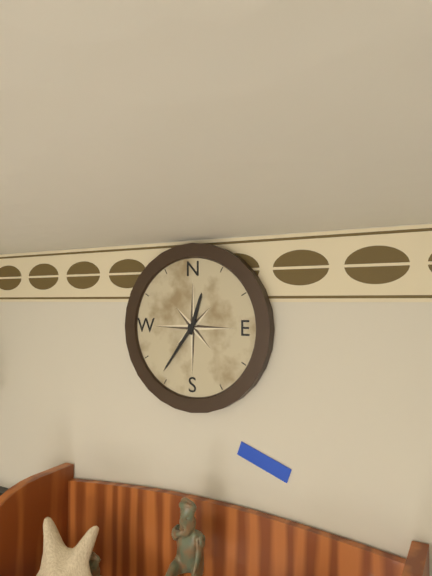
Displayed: **12:36**
